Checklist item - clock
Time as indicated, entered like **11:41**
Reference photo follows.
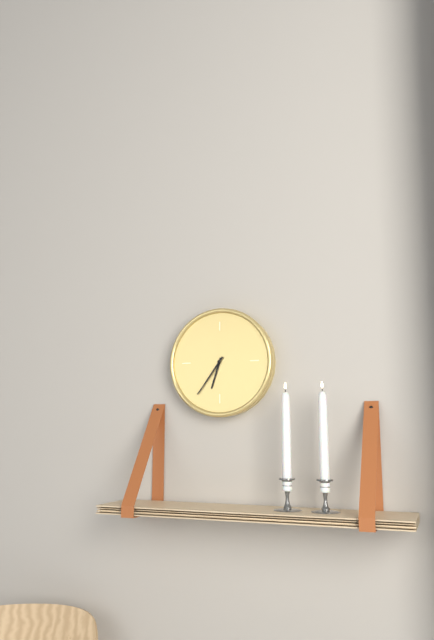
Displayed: **6:36**
